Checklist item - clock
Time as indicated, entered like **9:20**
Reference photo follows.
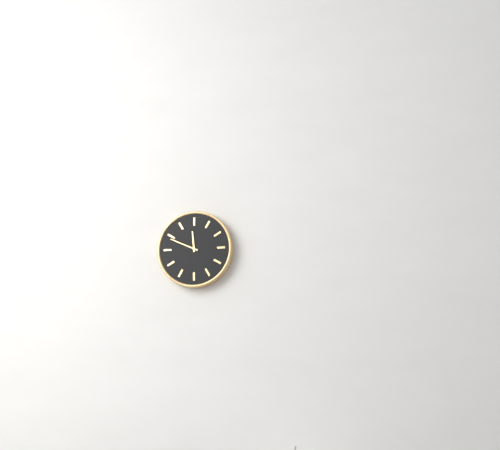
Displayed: **11:49**
